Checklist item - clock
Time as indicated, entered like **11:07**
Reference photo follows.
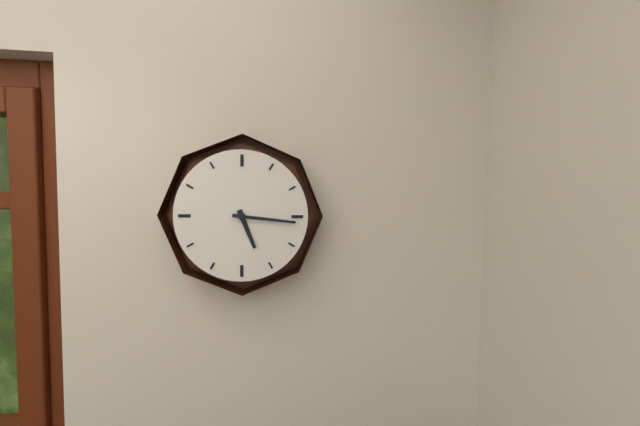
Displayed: **5:16**
